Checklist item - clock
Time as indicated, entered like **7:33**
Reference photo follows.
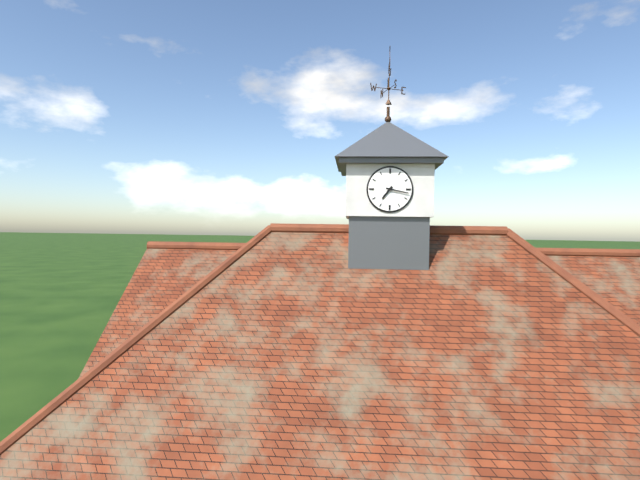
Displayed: **7:17**
